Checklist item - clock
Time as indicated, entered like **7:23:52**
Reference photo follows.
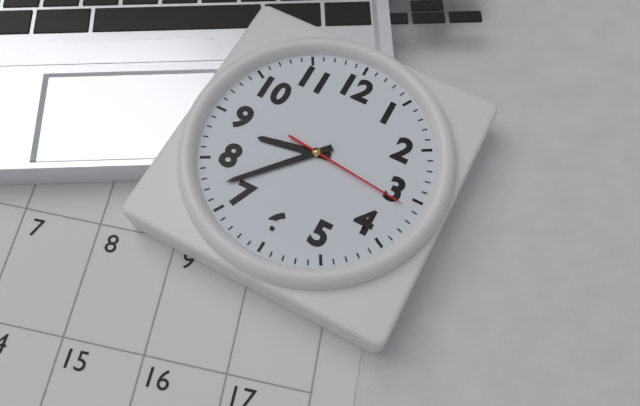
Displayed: **8:37:16**
